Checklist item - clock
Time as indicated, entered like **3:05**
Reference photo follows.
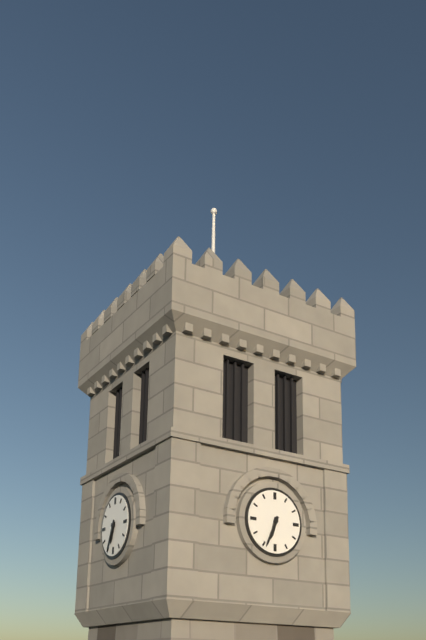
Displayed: **6:34**
